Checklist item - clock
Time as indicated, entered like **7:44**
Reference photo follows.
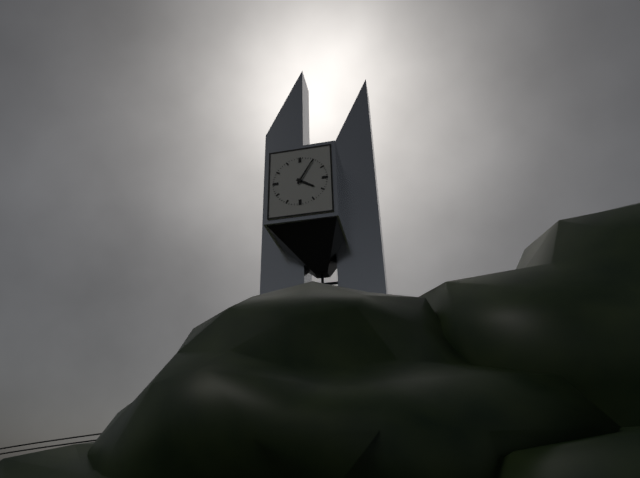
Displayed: **4:05**
